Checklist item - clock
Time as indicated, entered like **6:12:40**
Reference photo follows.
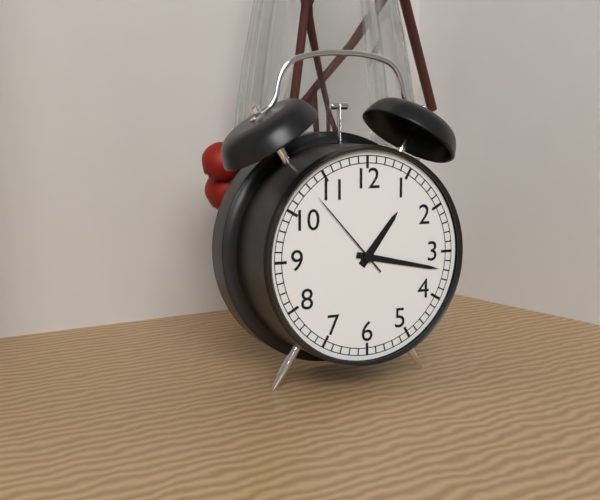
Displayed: **1:17:53**
